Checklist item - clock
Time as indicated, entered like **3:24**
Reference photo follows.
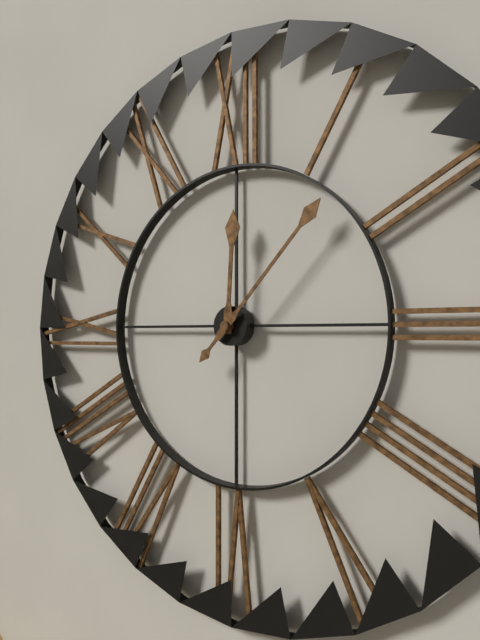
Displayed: **12:07**
